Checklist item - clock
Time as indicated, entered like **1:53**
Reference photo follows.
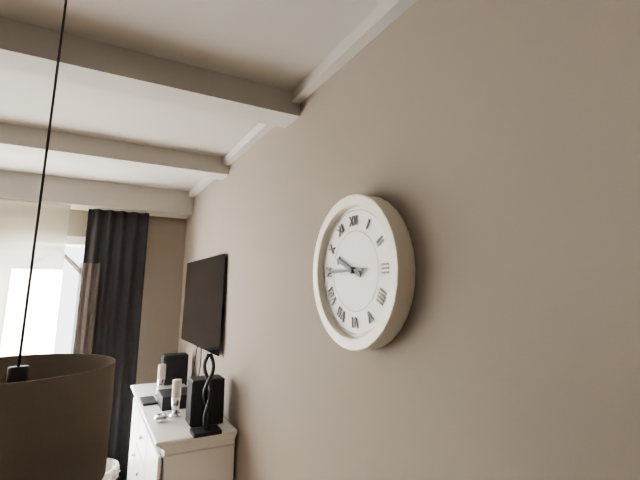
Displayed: **9:45**
